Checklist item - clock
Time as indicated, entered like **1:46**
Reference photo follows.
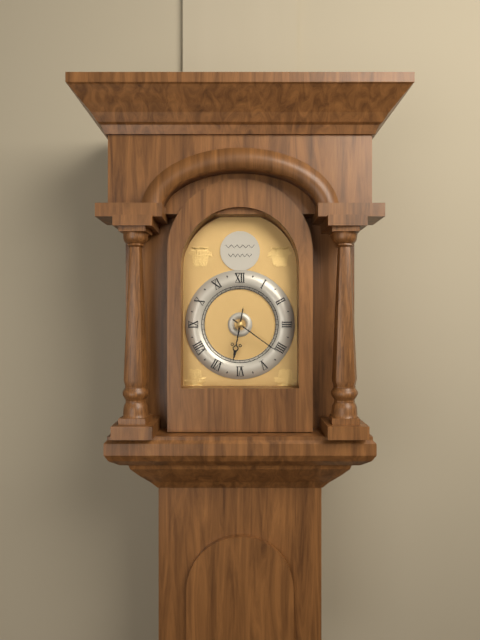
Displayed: **6:21**
